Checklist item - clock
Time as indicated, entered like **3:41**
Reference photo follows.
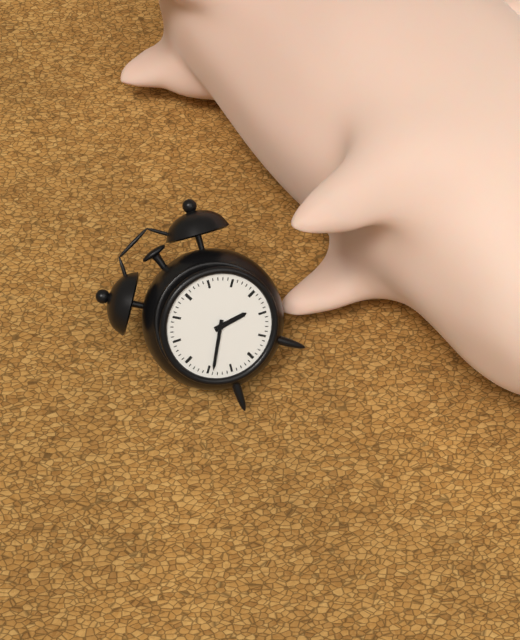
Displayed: **3:39**
